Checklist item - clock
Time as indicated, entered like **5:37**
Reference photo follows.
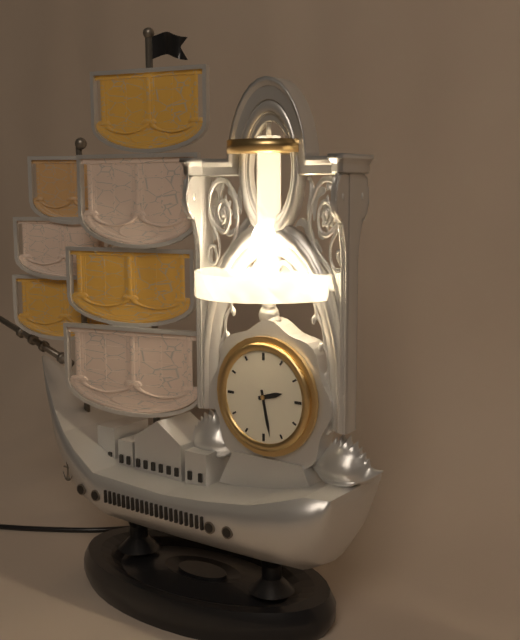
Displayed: **2:28**
